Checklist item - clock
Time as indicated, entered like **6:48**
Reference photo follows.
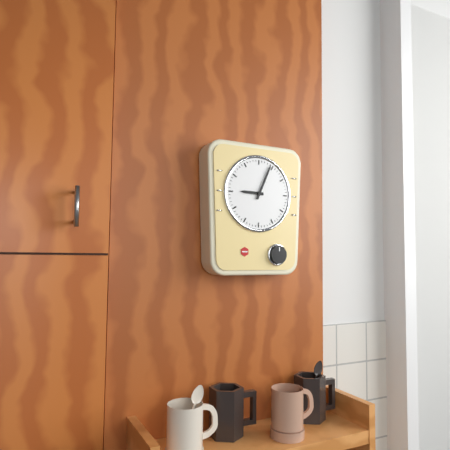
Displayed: **9:04**
